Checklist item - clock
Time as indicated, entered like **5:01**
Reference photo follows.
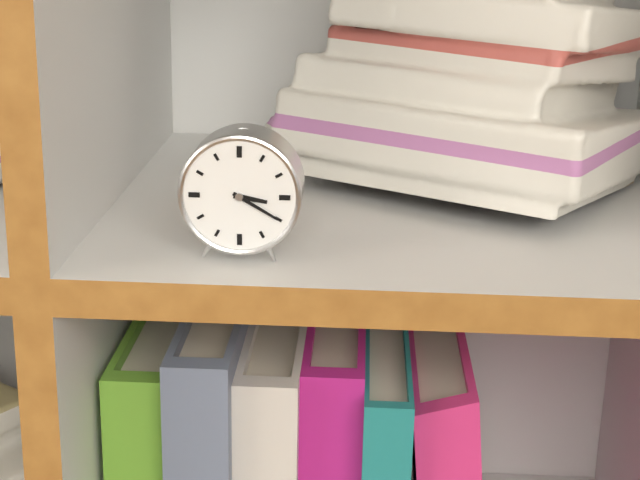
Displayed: **3:20**
